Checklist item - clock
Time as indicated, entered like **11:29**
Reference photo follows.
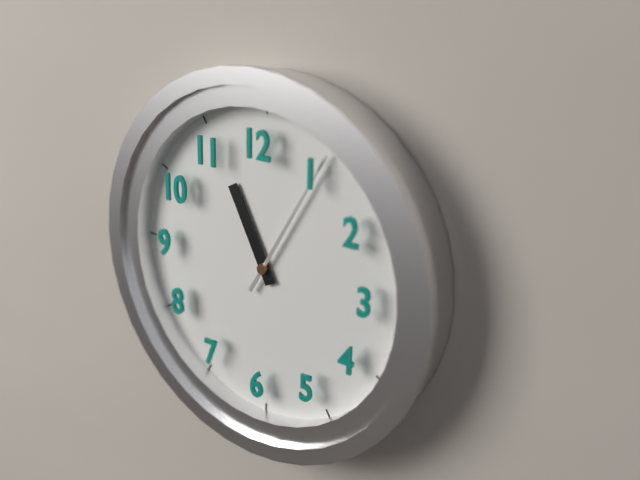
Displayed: **11:05**
